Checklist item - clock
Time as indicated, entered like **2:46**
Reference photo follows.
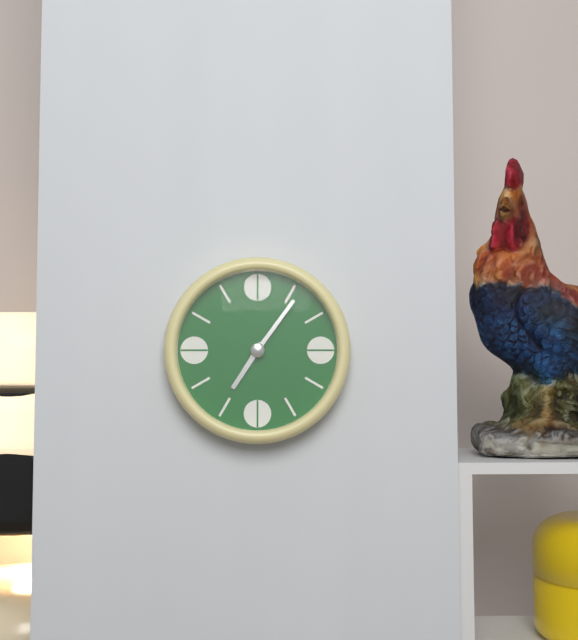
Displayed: **7:06**
